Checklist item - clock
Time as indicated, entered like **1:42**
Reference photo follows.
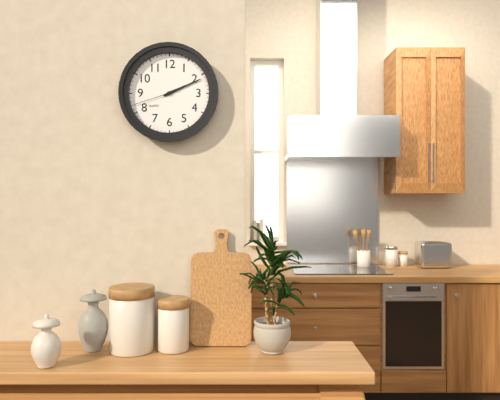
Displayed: **2:11**
